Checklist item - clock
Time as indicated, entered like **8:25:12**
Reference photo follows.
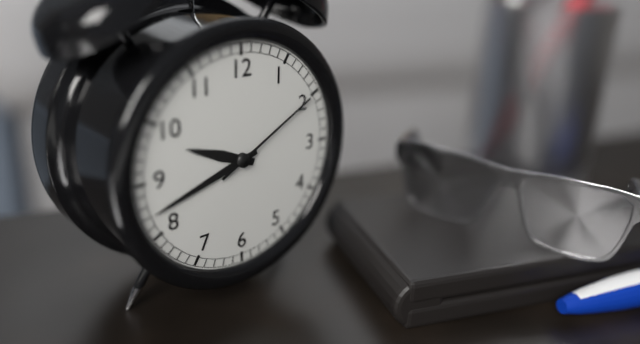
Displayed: **9:42:10**
